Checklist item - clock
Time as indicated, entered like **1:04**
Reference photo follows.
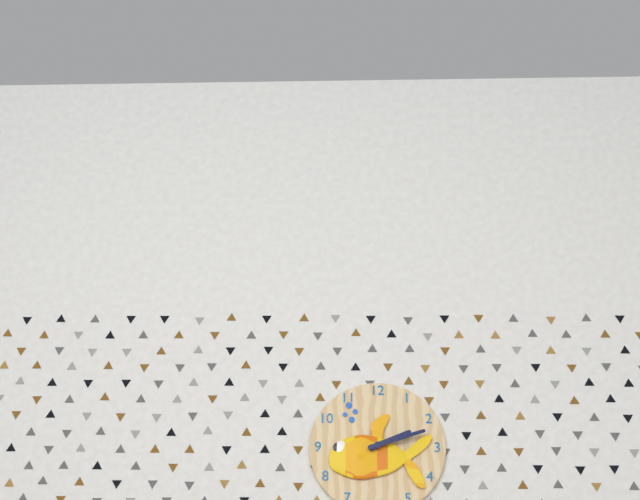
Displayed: **2:12**
